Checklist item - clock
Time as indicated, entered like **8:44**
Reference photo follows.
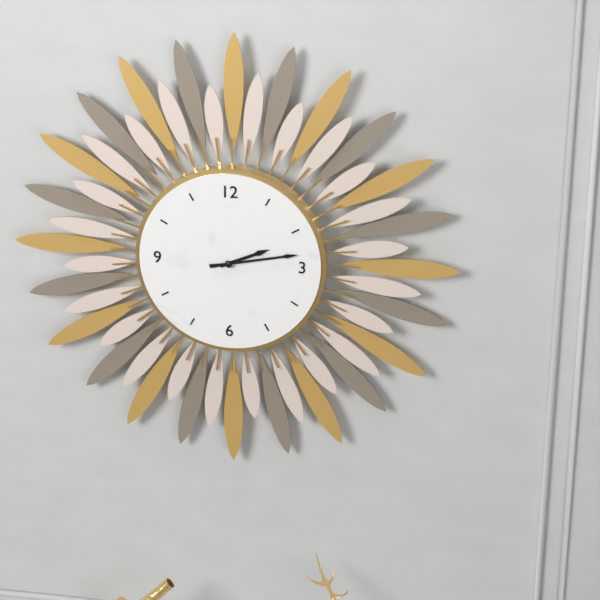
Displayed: **2:13**
